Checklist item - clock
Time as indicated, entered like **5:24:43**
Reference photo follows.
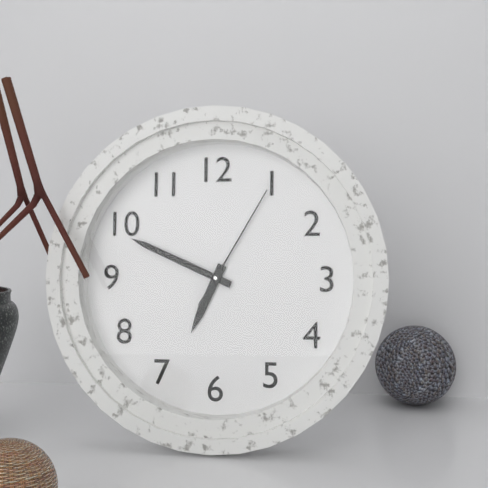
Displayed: **6:49:05**
